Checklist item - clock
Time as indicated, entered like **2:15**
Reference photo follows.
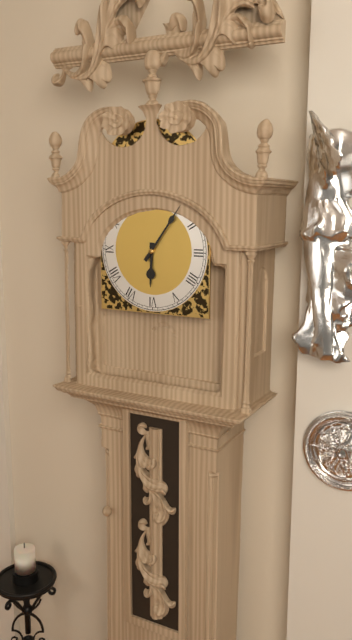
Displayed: **6:06**
